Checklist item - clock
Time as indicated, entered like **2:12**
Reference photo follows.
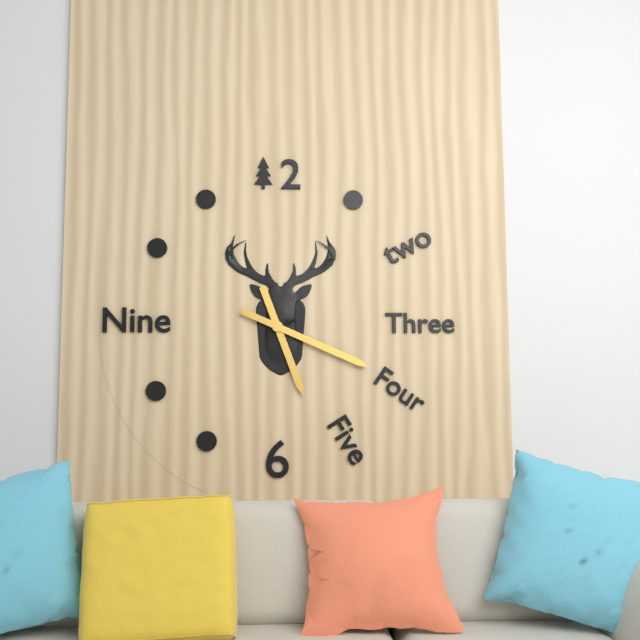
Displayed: **5:19**
